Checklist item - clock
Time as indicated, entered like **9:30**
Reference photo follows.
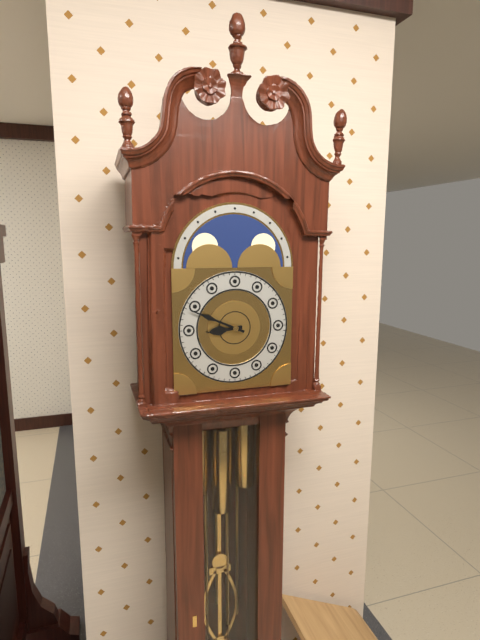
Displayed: **8:49**
